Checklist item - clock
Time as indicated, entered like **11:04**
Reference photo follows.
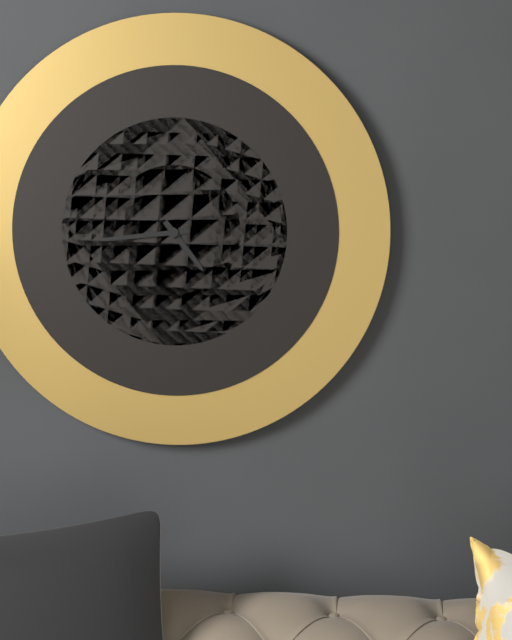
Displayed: **4:44**
